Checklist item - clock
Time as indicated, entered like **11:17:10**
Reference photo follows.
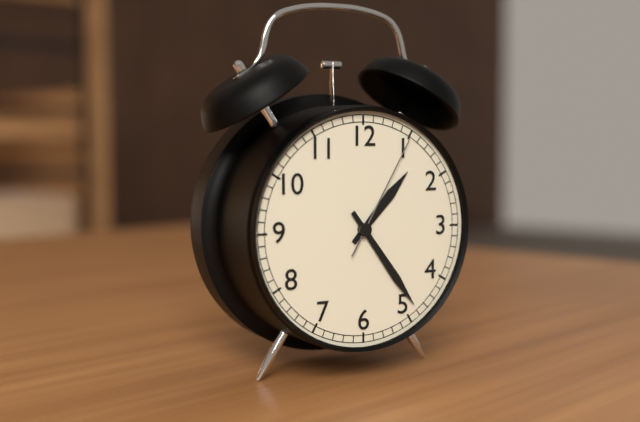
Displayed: **1:24:05**
